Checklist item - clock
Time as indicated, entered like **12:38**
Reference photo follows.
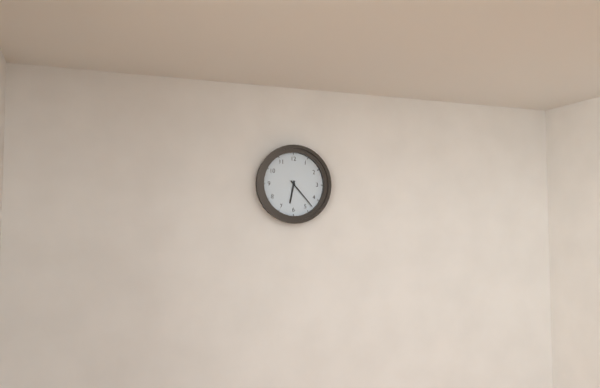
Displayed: **6:23**
